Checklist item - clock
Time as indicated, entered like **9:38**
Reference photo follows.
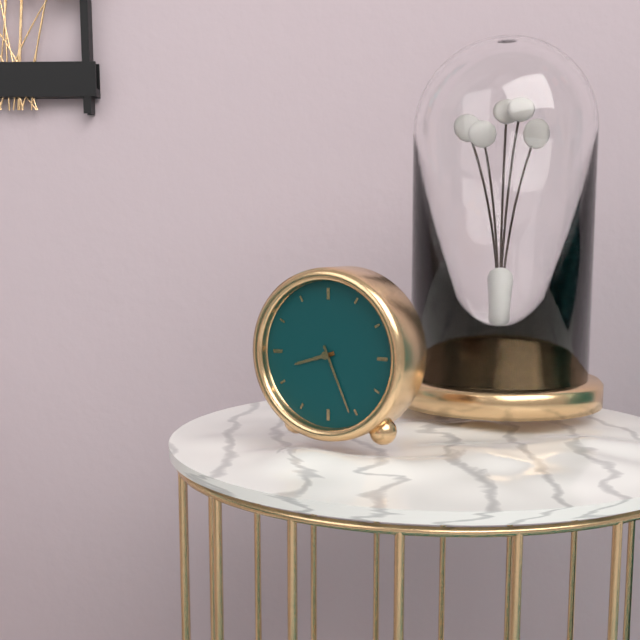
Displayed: **8:26**
